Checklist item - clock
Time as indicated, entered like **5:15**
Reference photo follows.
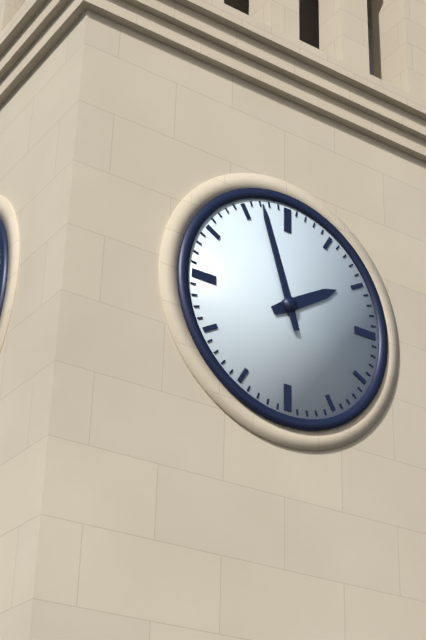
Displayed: **1:57**
